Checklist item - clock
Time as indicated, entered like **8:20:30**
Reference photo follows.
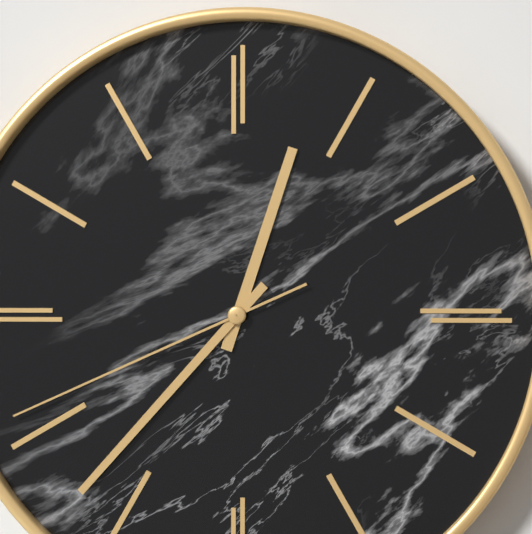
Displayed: **12:37:41**
